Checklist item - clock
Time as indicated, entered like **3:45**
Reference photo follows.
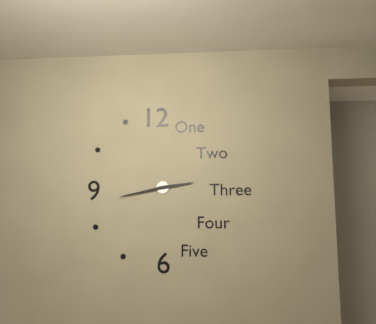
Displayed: **2:43**
